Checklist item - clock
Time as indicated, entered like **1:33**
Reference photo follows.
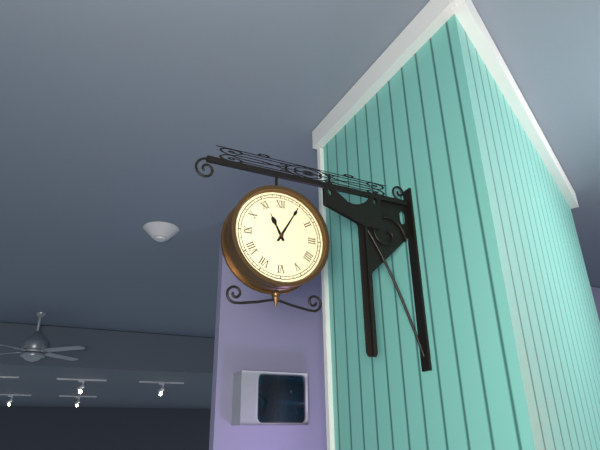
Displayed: **11:05**
